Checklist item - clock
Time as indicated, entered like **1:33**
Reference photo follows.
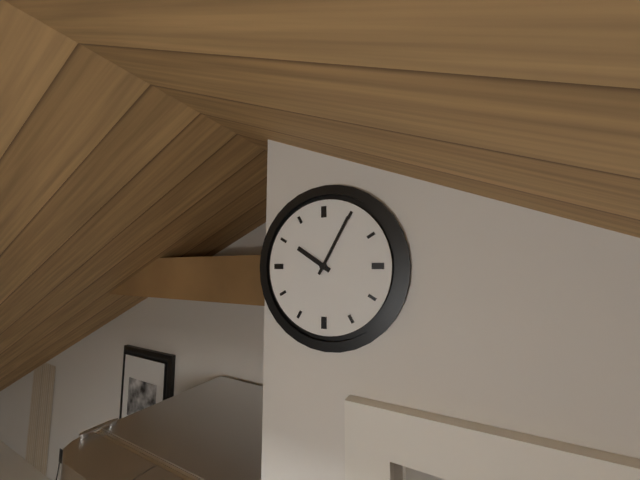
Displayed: **10:05**
